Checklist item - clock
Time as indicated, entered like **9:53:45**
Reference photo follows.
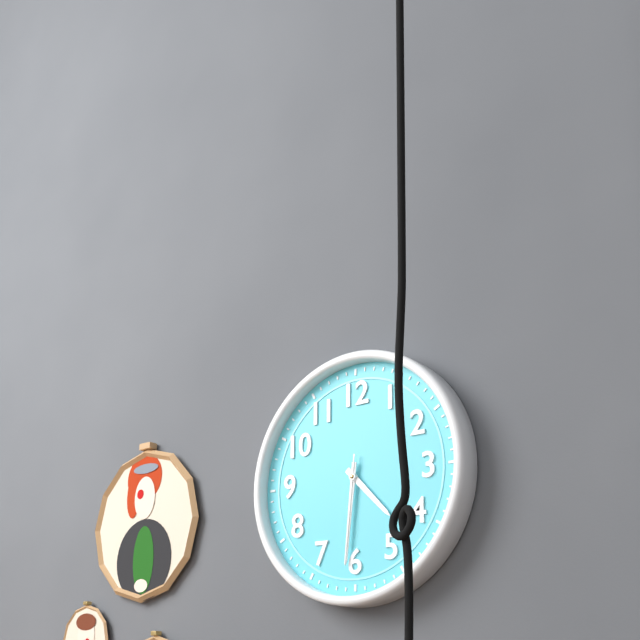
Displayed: **4:31:31**
